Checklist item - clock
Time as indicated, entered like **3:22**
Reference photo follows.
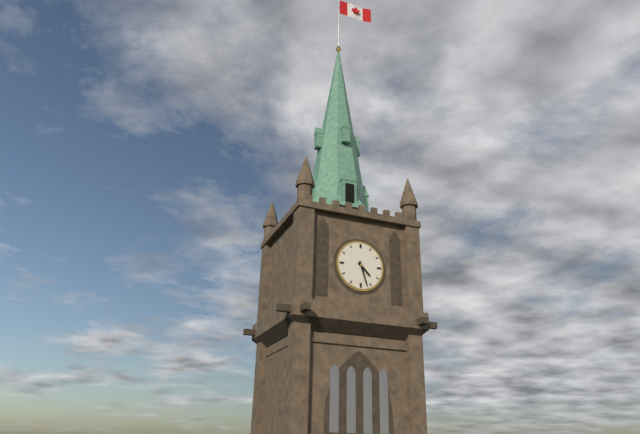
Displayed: **4:27**
